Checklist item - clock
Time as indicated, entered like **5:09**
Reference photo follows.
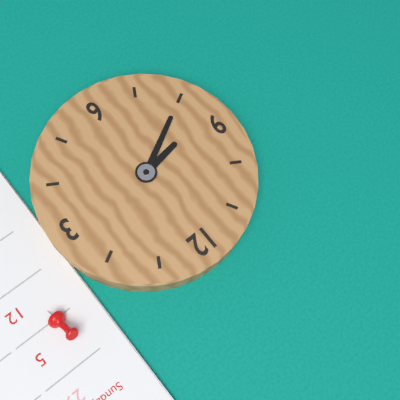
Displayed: **8:40**
